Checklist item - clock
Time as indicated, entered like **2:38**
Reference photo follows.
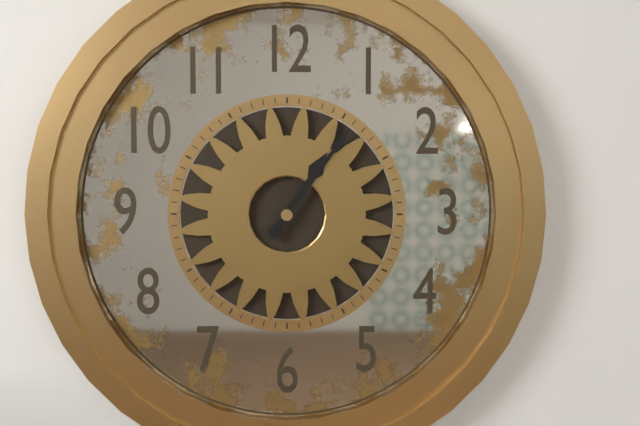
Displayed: **1:06**
